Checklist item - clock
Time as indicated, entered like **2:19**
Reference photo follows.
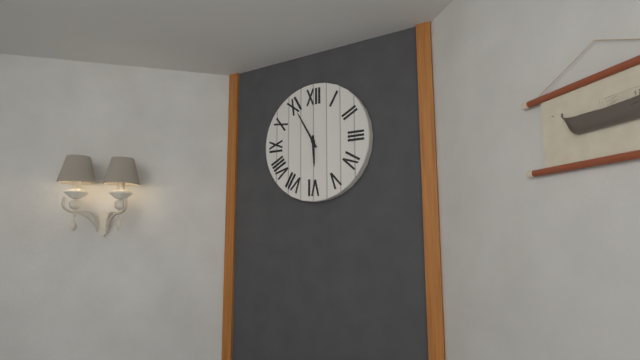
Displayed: **5:55**
